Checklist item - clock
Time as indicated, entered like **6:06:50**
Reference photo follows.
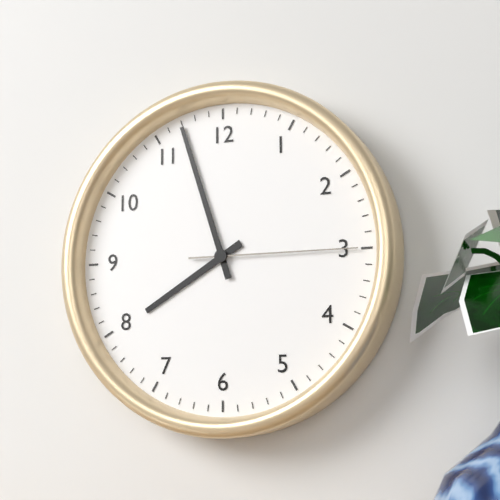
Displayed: **7:57:15**
